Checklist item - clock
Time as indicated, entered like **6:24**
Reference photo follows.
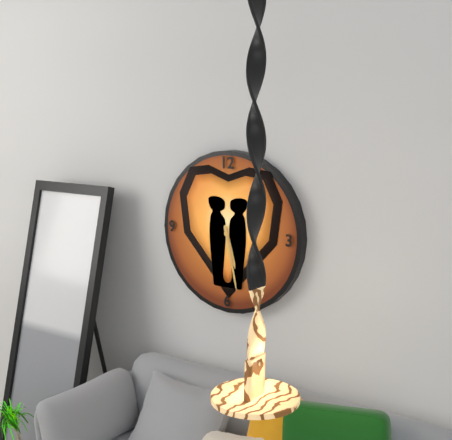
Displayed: **5:28**
